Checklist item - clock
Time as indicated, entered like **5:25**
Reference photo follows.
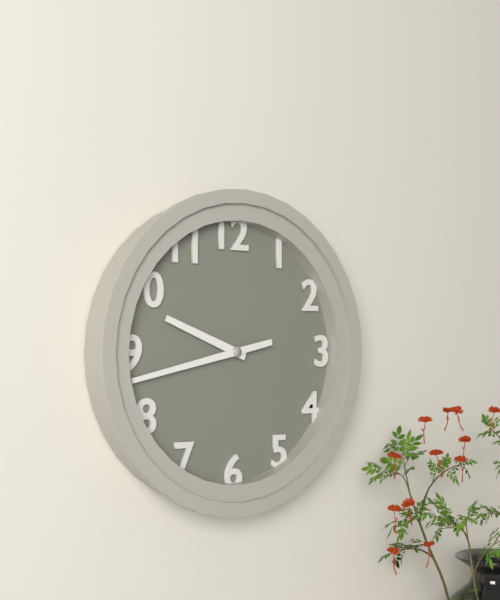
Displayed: **9:43**
